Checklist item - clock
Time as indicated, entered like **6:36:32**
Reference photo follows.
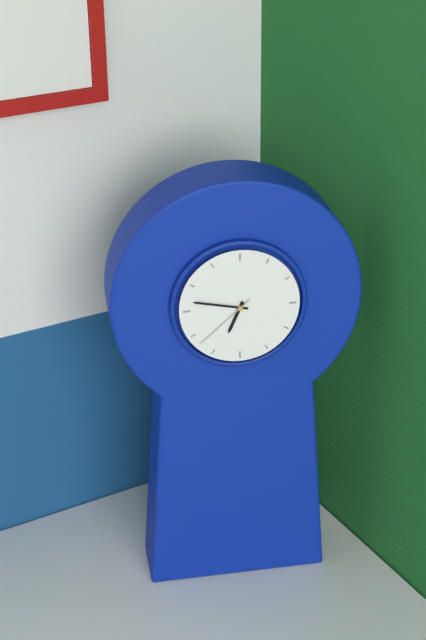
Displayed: **6:47:38**
